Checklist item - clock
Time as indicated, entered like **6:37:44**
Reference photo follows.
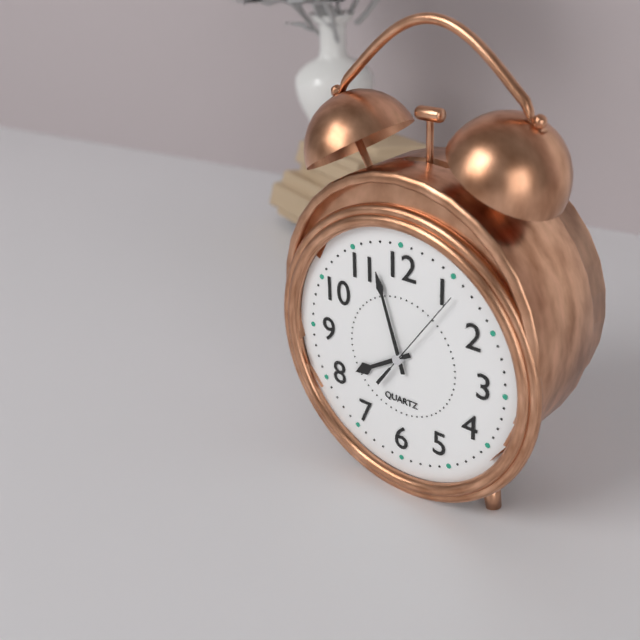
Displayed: **7:57:06**
